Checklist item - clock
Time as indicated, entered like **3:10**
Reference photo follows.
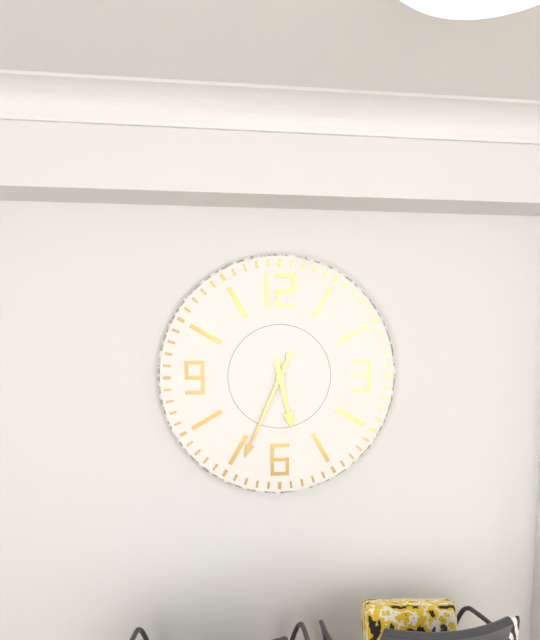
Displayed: **5:34**
